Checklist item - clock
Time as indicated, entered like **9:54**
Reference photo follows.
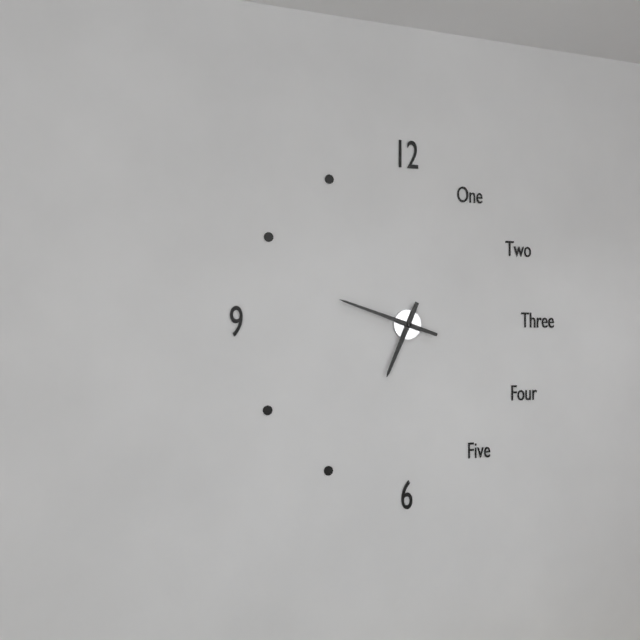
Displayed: **6:48**
